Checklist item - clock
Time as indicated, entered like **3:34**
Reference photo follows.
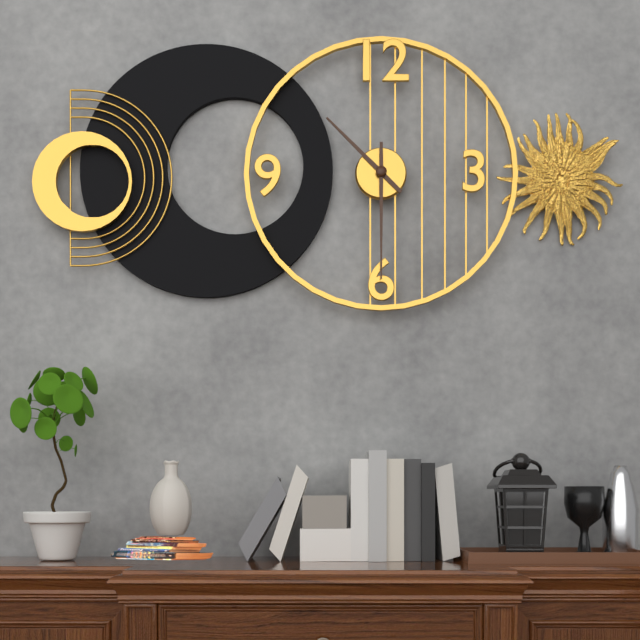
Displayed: **10:30**
